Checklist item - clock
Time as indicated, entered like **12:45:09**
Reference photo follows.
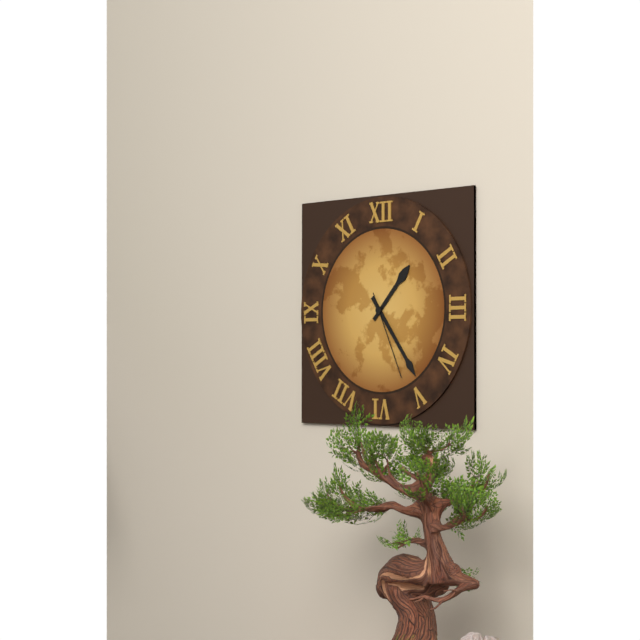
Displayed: **1:24:26**
